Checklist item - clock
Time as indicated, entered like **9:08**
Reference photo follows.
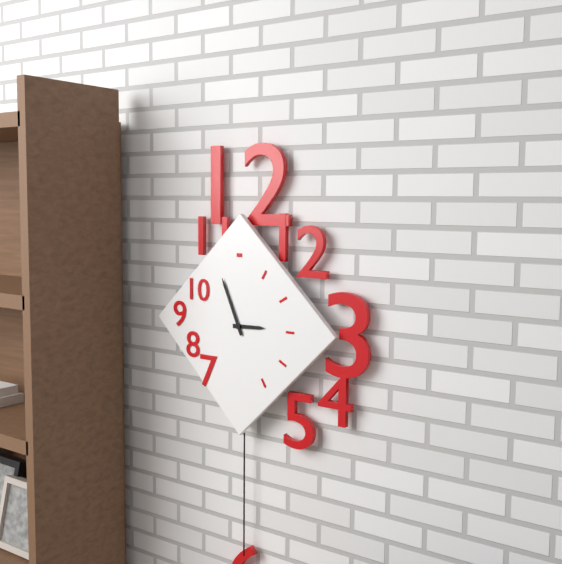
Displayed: **2:56**
